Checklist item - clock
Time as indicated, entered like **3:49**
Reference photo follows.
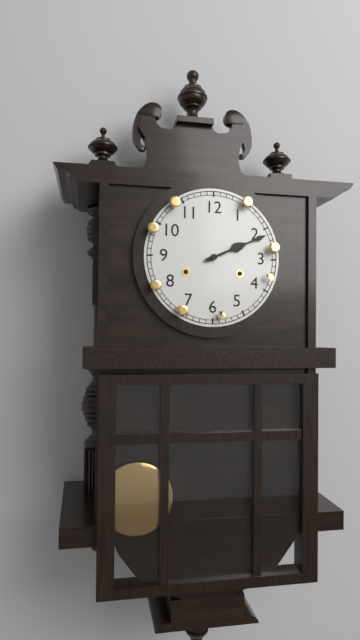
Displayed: **2:11**
